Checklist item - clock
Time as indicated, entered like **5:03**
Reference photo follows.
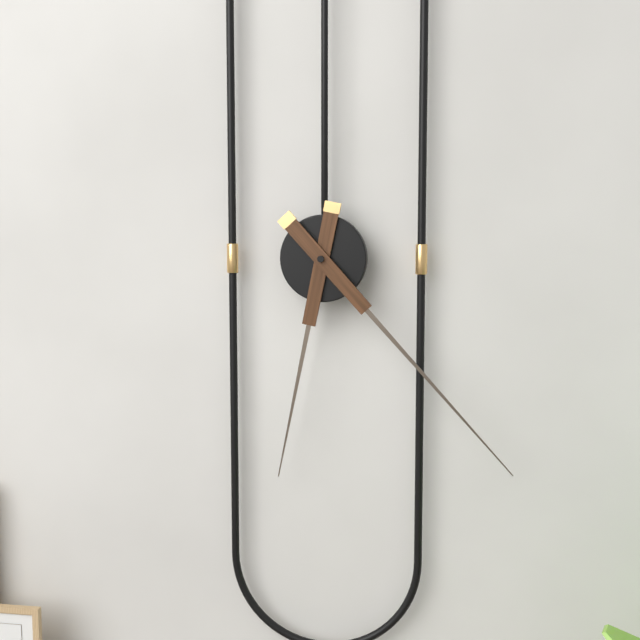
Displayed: **6:23**
